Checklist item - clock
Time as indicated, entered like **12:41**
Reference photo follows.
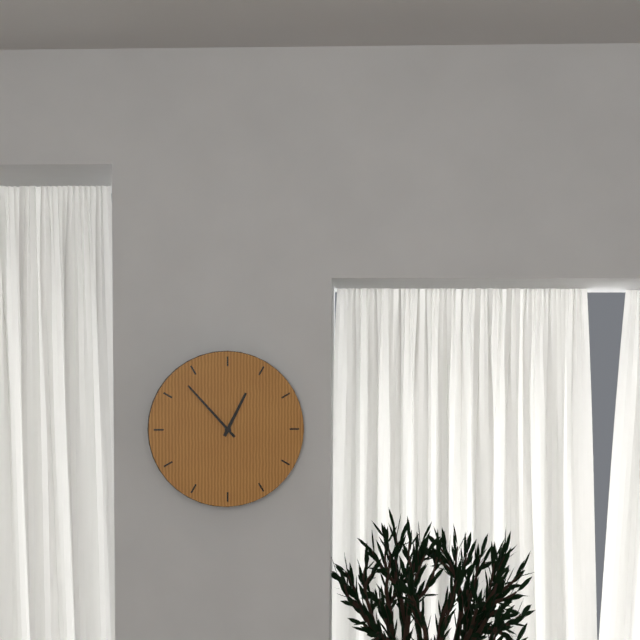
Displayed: **12:53**
